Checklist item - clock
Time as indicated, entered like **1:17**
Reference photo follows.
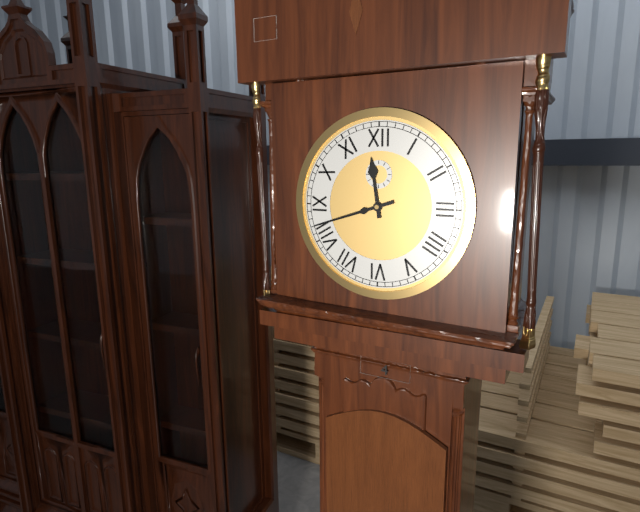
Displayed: **11:42**
